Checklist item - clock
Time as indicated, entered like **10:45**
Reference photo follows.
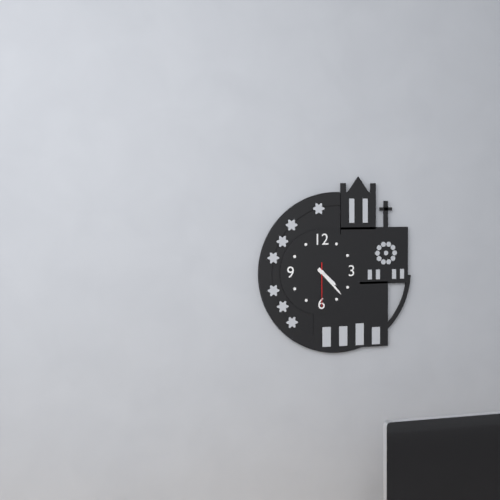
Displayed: **4:23**
